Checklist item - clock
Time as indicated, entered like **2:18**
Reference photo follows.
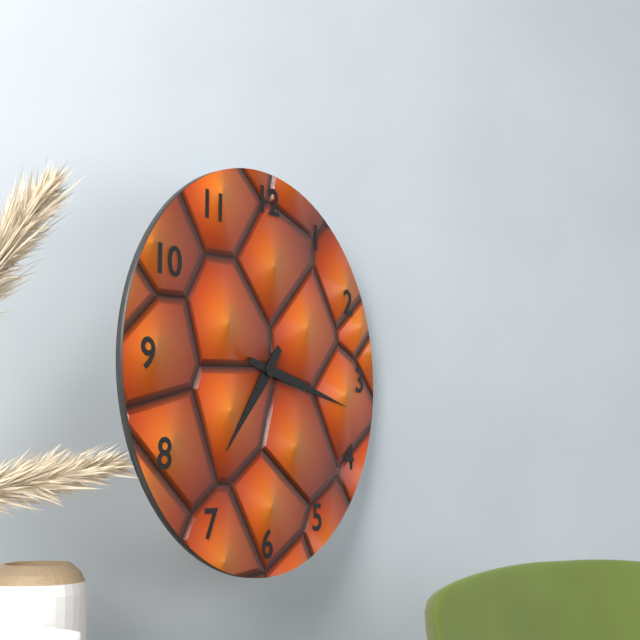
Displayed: **7:17**
